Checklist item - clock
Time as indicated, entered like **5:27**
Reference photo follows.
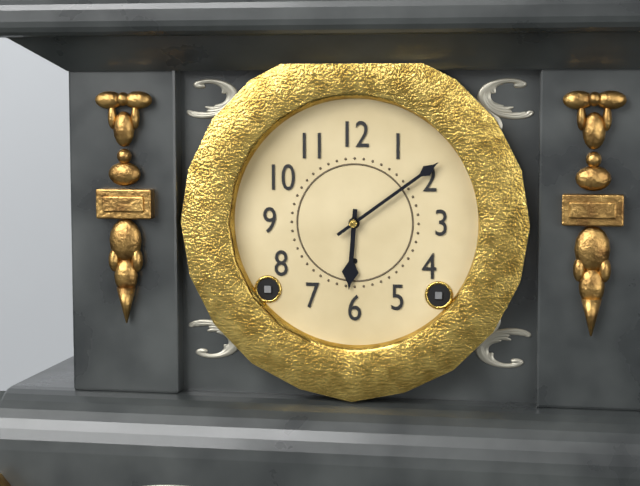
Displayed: **6:09**
